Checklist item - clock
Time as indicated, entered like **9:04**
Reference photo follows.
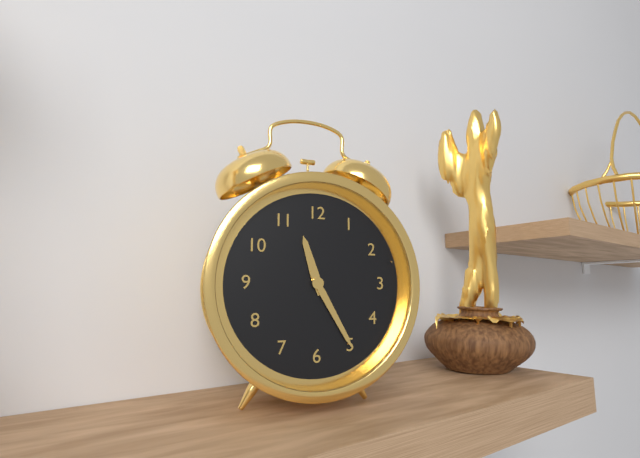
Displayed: **11:25**
